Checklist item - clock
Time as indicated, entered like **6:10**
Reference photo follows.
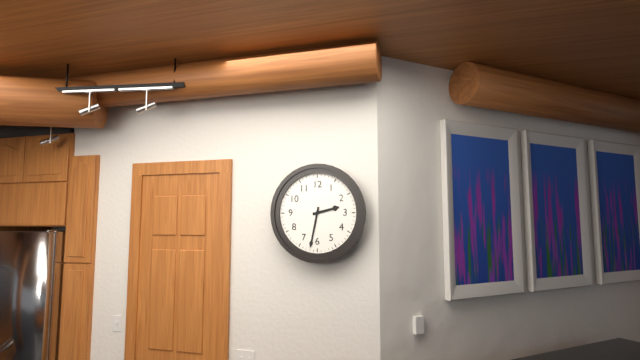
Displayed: **2:32**
